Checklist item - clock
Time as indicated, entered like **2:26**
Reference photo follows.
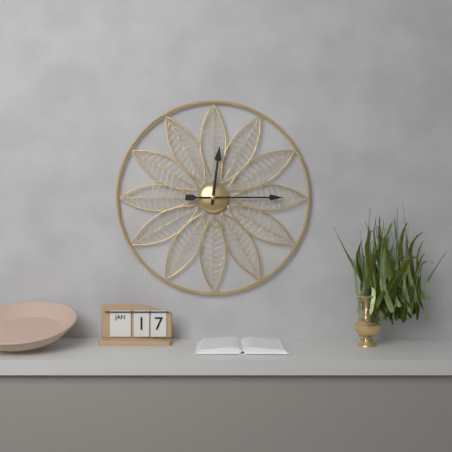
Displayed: **12:15**
